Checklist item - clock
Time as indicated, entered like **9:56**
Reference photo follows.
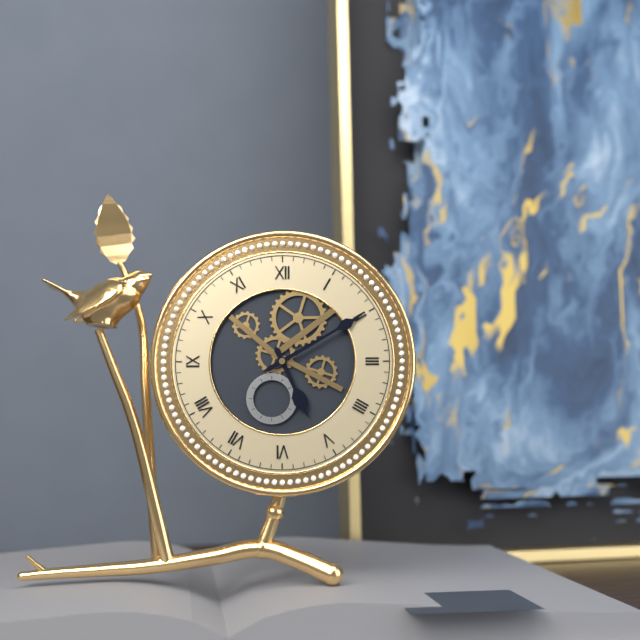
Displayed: **5:10**
